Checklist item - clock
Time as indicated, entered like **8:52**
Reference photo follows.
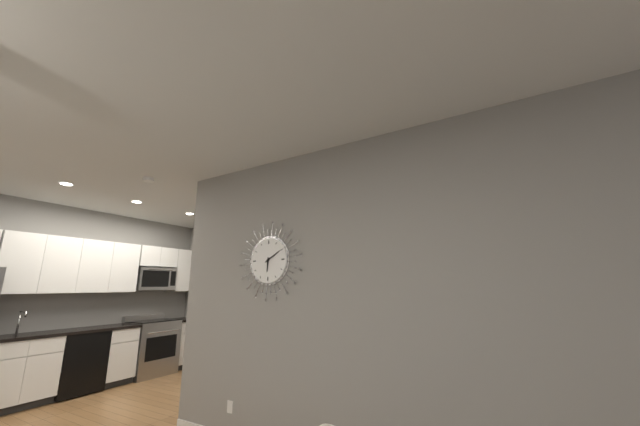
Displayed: **6:10**
